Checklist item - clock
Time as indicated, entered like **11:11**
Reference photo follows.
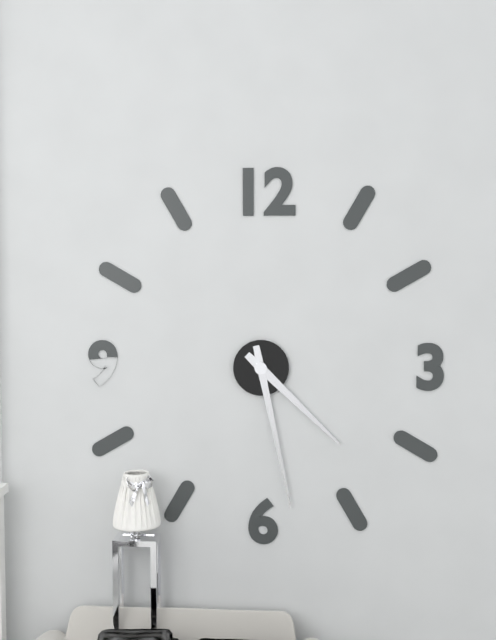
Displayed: **4:28**
